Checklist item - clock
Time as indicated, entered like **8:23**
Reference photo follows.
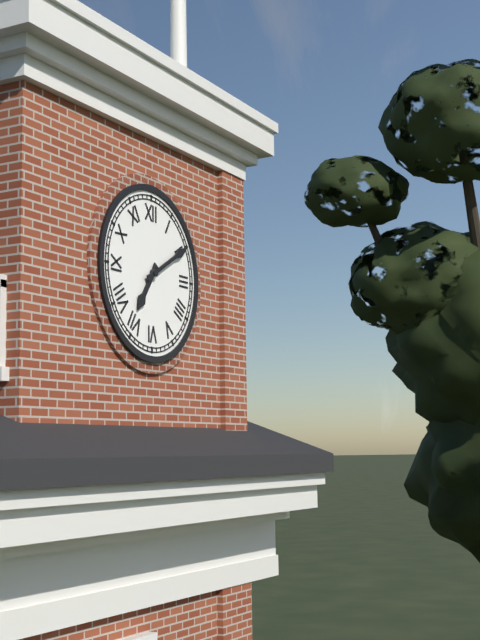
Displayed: **7:10**
